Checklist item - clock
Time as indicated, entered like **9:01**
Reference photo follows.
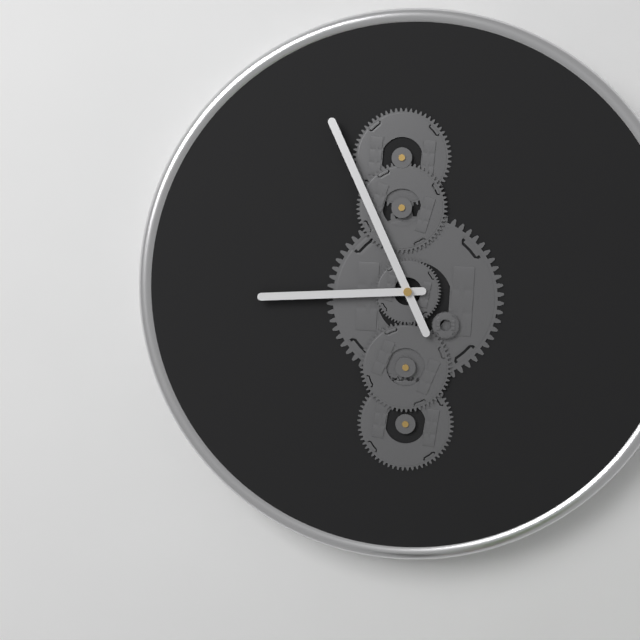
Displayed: **8:56**
